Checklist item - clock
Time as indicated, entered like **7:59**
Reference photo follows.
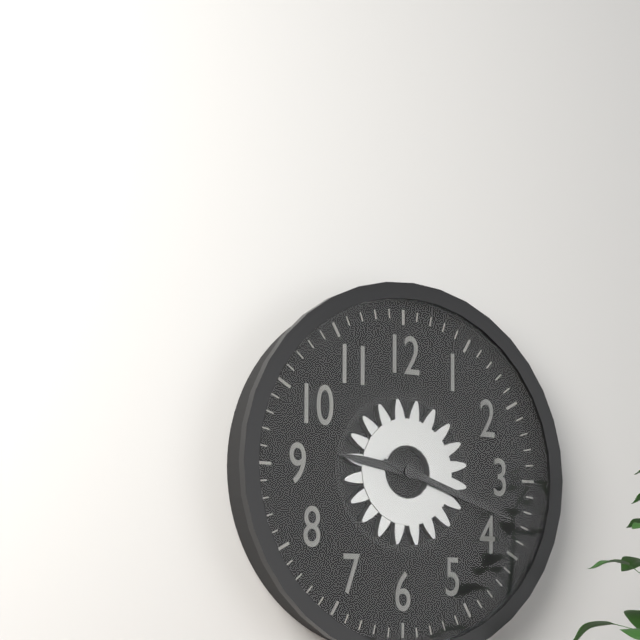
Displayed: **9:18**
